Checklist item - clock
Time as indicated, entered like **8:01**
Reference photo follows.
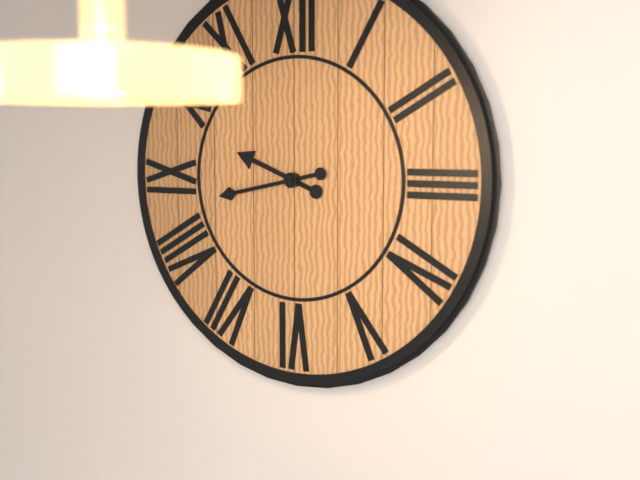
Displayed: **9:43**
